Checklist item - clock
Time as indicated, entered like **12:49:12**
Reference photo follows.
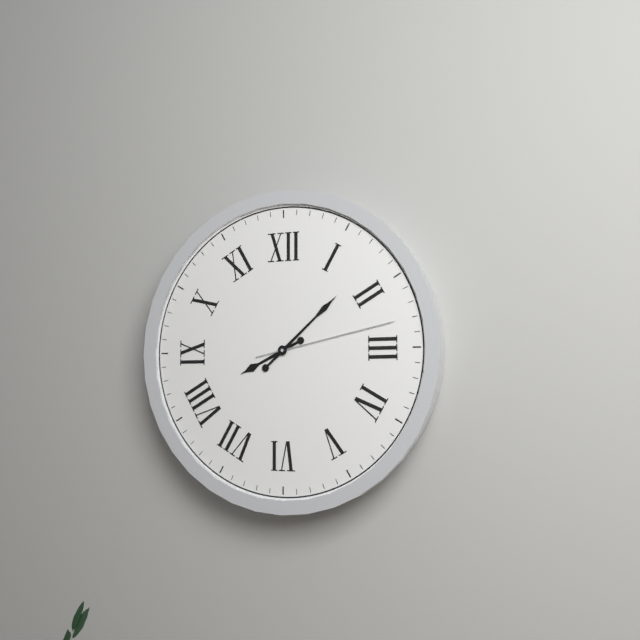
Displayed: **8:08:13**
